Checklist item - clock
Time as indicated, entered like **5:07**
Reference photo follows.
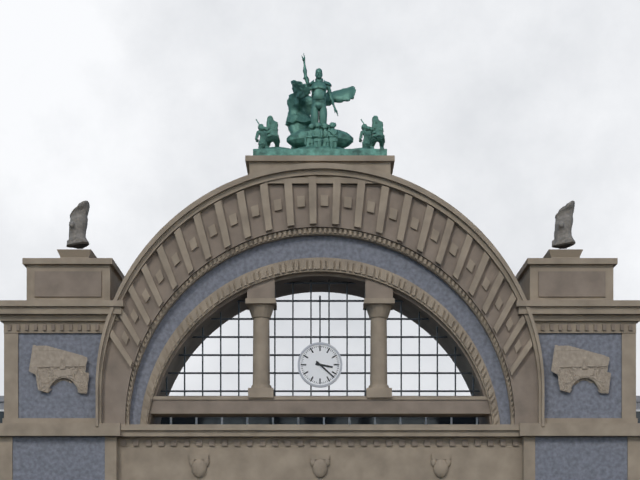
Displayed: **3:22**
